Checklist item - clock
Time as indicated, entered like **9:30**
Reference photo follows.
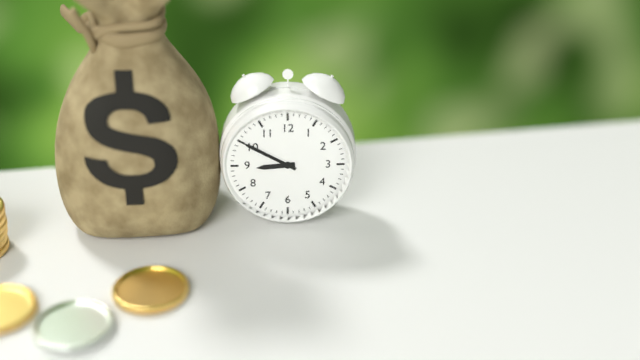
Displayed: **8:50**
